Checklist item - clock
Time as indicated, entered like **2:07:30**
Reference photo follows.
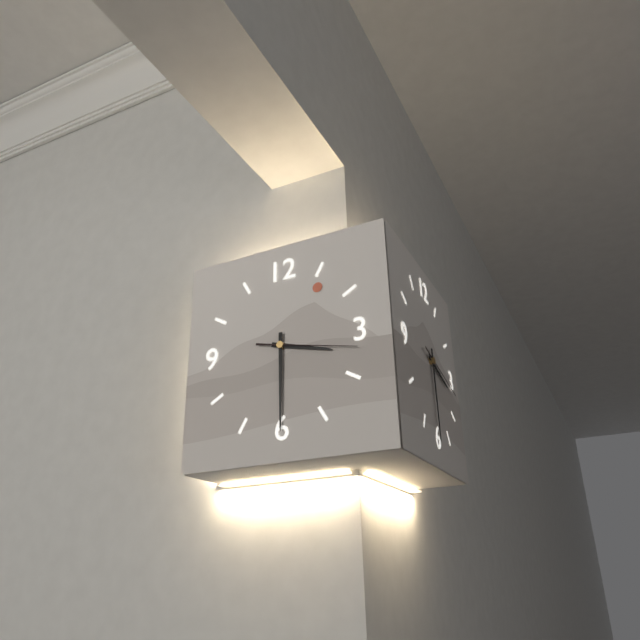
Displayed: **3:30:17**
